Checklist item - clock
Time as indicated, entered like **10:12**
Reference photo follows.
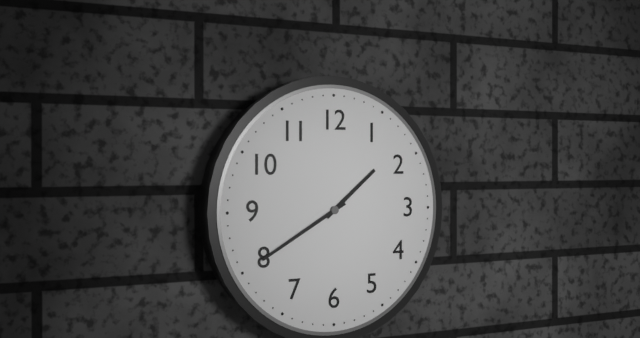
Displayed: **1:40**
